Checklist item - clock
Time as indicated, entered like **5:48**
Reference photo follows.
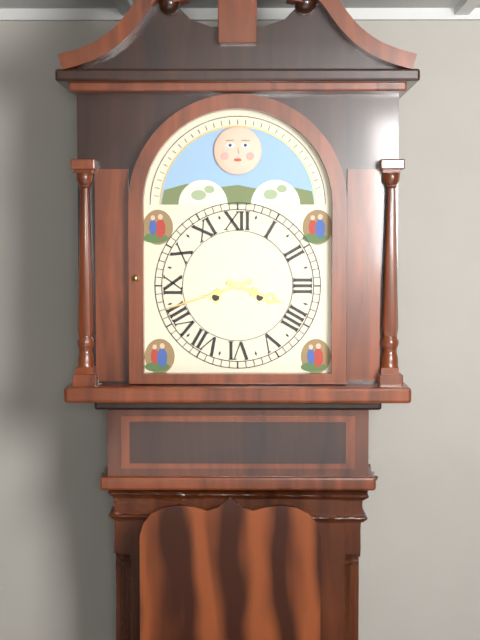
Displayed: **3:42**
